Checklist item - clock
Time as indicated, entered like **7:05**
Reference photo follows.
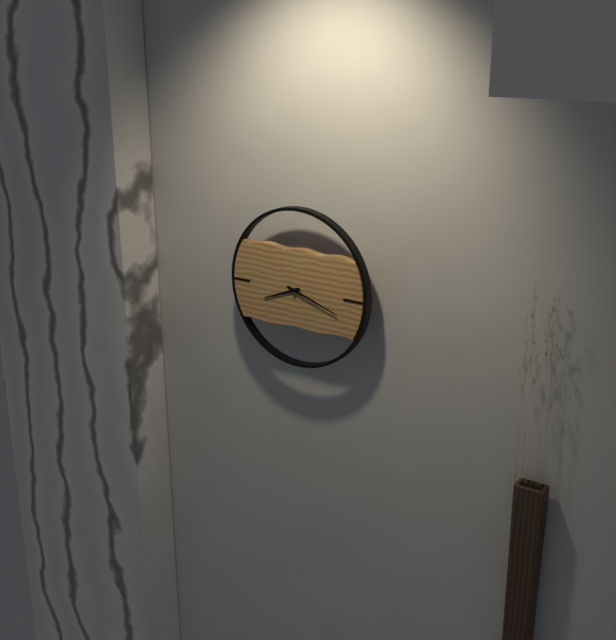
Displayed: **8:18**
